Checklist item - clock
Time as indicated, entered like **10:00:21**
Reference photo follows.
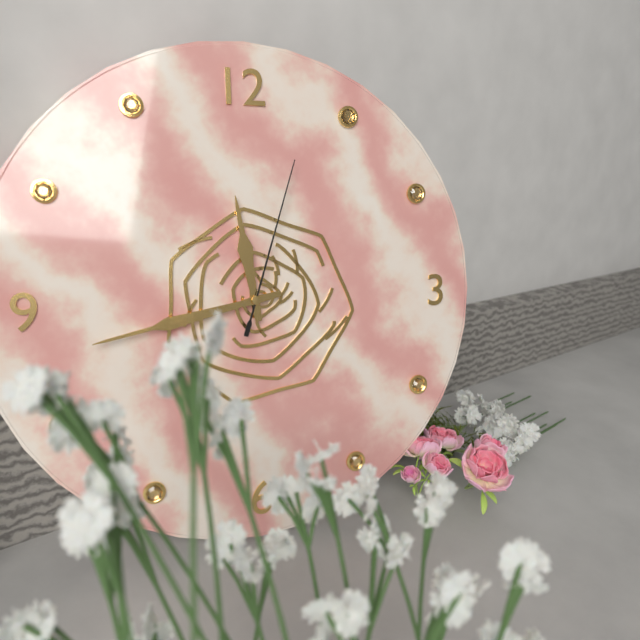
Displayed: **11:43:03**
